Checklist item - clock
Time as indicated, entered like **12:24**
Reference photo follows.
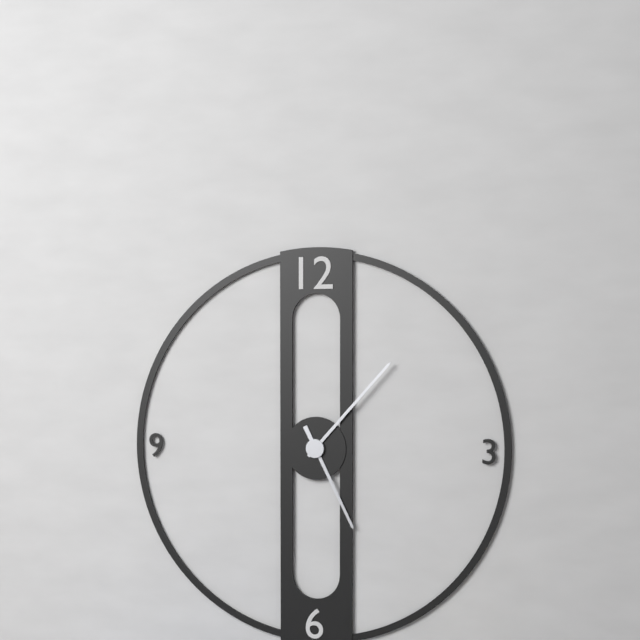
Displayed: **5:07**
